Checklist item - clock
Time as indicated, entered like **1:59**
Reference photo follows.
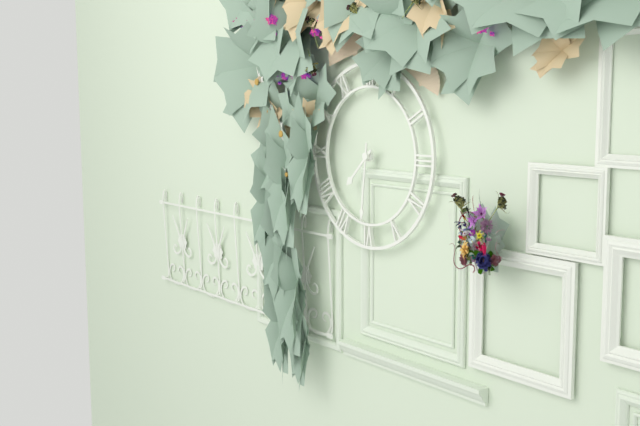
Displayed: **7:31**
